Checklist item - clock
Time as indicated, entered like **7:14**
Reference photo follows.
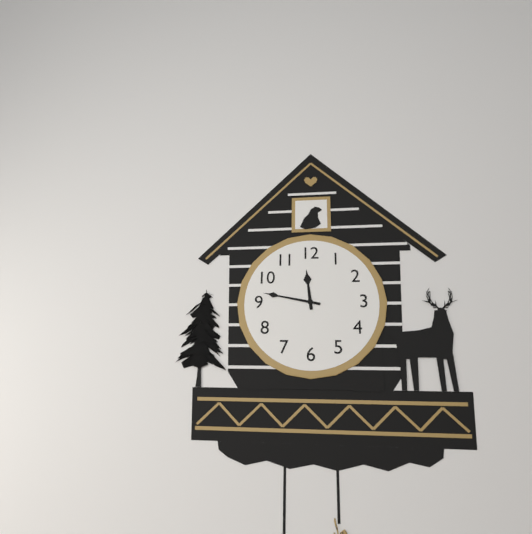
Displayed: **11:47**
